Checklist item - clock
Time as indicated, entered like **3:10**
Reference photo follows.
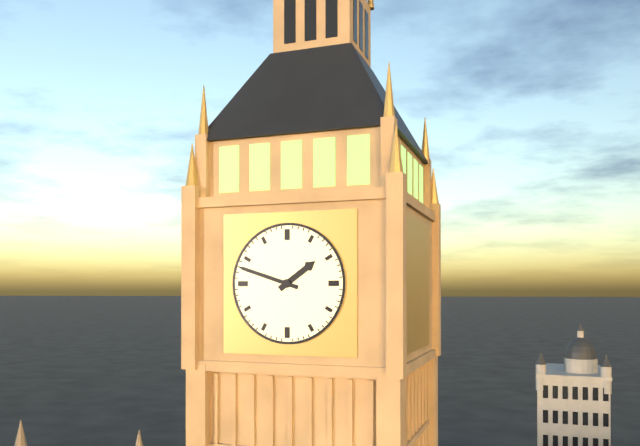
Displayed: **1:48**
